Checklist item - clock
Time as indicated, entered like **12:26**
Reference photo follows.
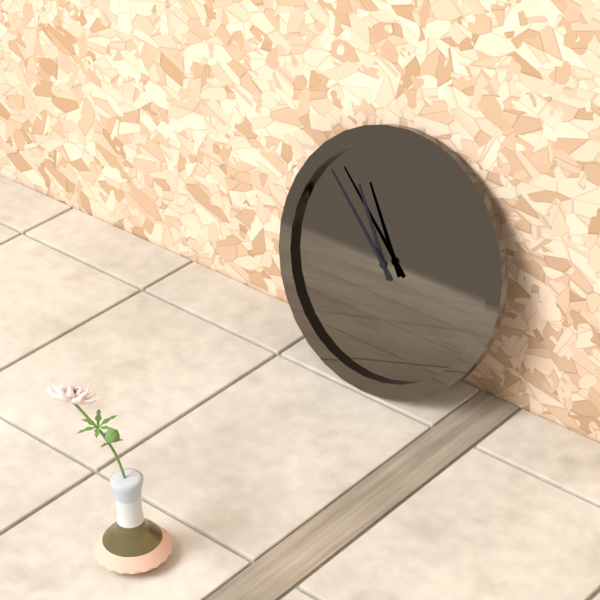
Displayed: **10:52**
